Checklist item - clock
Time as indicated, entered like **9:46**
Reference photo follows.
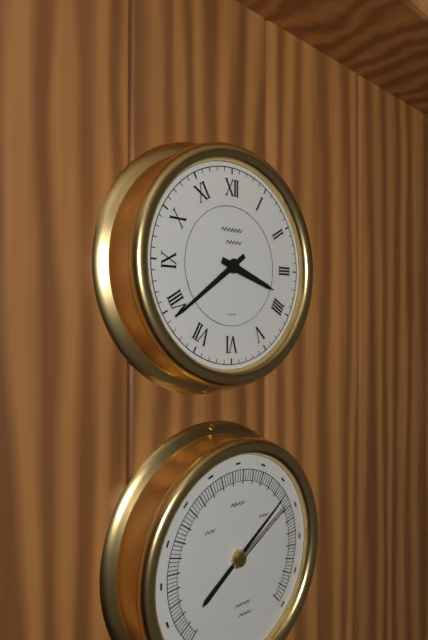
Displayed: **3:39**
